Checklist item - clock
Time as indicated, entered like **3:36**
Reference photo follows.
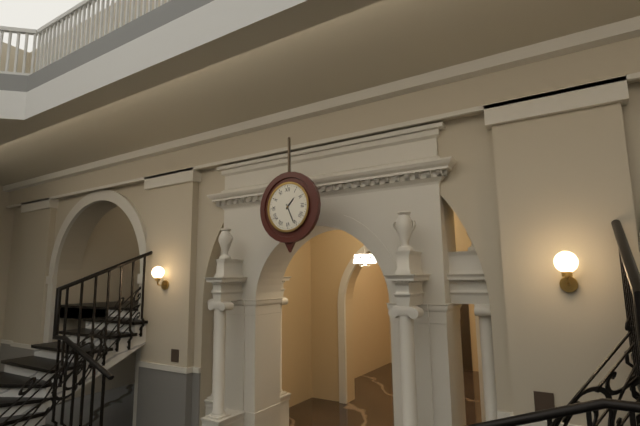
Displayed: **1:26**
